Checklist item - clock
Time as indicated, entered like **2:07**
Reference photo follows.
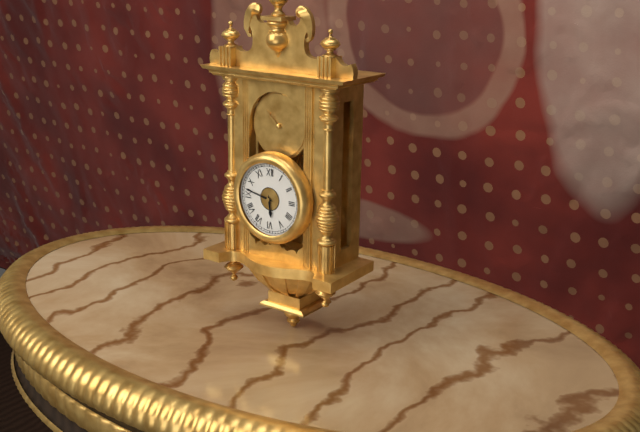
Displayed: **5:47**
